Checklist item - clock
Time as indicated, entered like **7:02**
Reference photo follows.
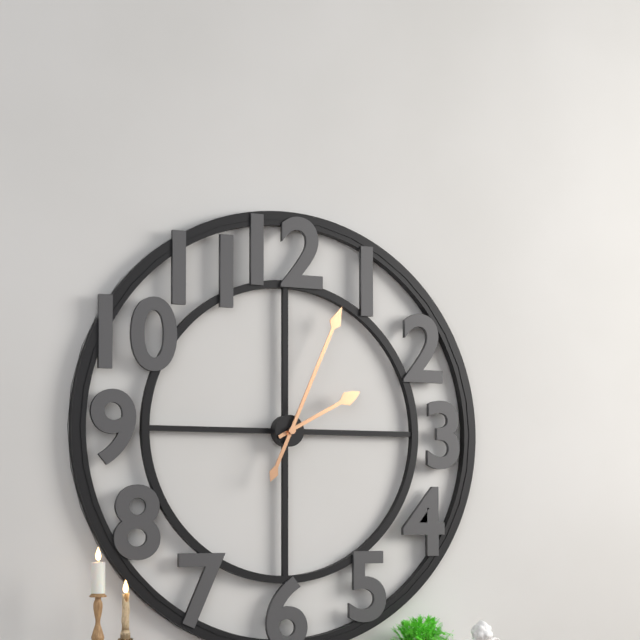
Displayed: **2:04**
